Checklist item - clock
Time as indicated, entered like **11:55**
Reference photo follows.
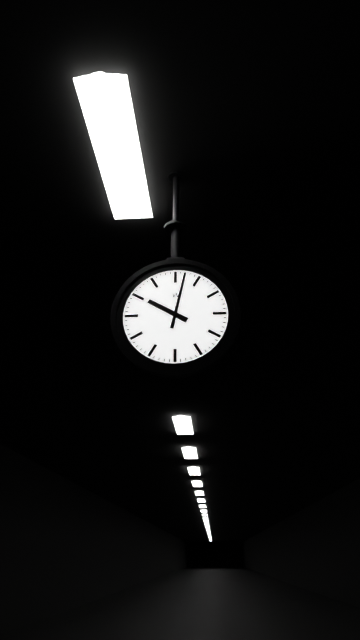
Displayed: **10:02**
